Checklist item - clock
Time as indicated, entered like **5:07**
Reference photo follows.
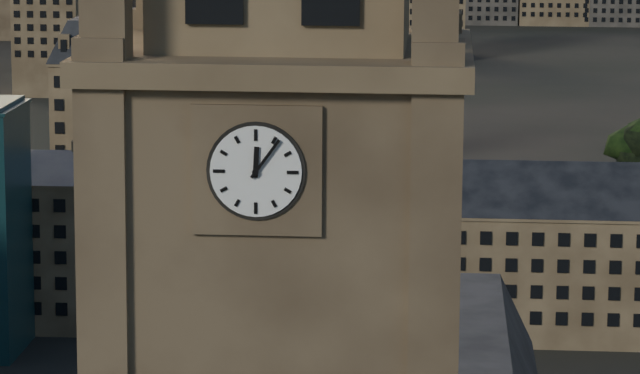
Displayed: **12:06**
